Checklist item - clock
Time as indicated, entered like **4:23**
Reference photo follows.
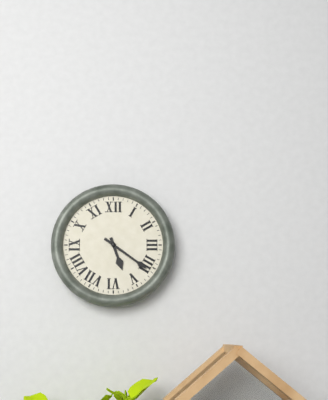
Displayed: **5:21**
